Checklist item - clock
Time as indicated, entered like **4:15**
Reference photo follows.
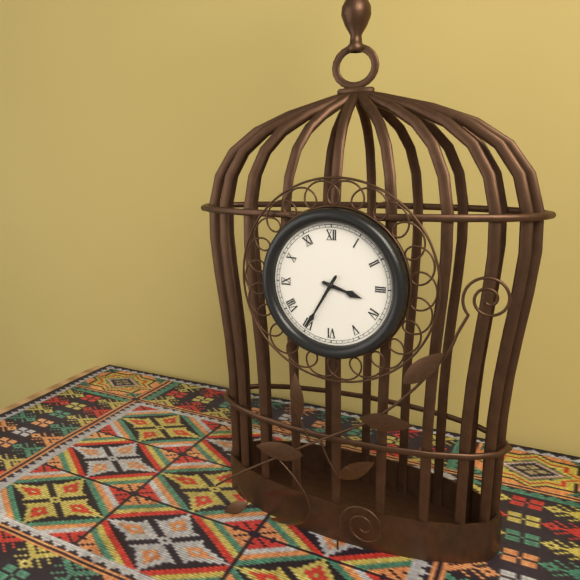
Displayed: **3:35**
